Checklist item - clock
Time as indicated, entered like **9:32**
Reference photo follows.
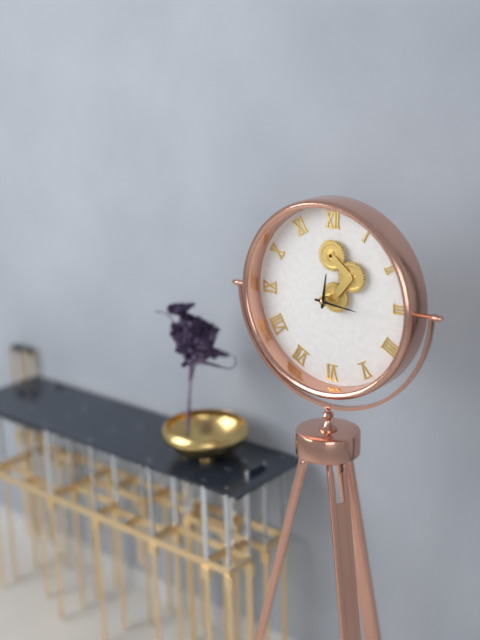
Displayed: **12:16**
